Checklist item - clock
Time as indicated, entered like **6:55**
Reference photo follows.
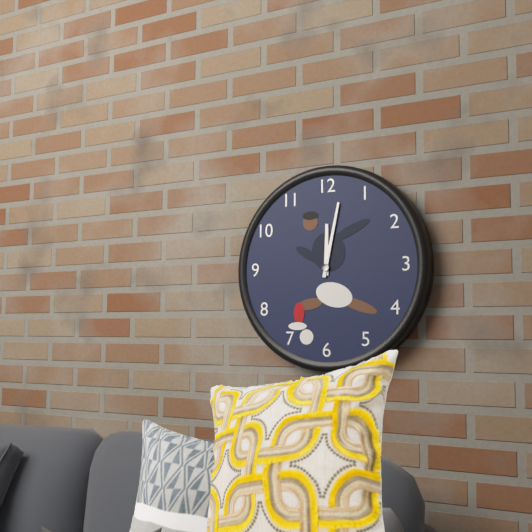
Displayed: **12:02**
